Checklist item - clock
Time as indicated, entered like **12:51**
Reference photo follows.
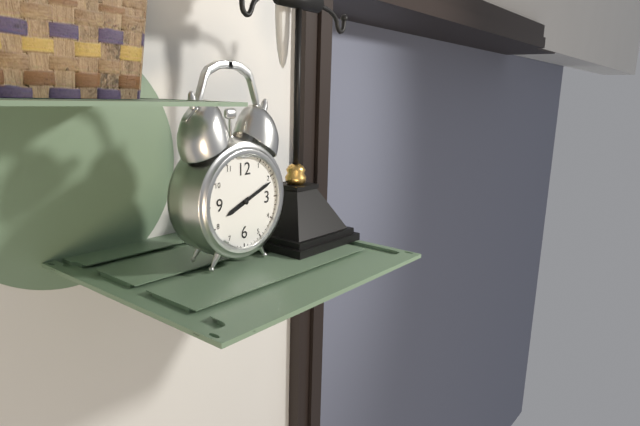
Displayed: **8:11**
